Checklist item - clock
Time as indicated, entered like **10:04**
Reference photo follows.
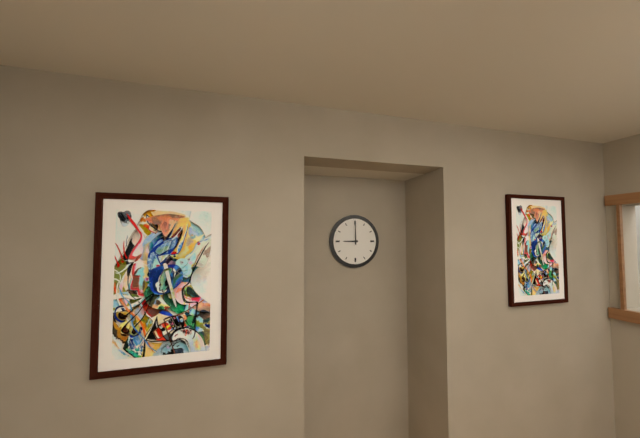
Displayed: **9:00**
